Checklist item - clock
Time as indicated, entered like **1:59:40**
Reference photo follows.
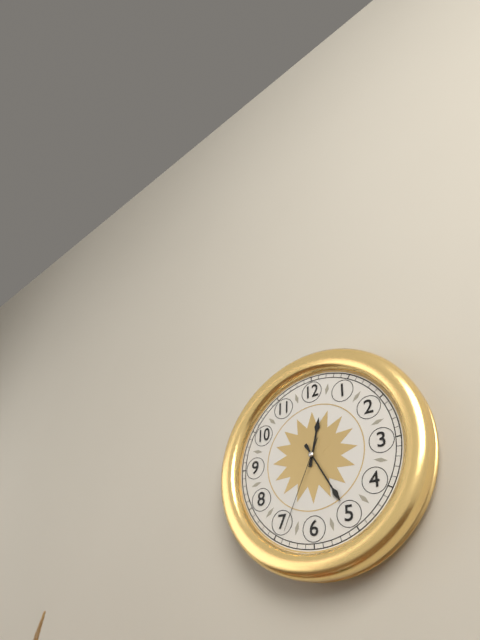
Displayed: **12:25:34**
